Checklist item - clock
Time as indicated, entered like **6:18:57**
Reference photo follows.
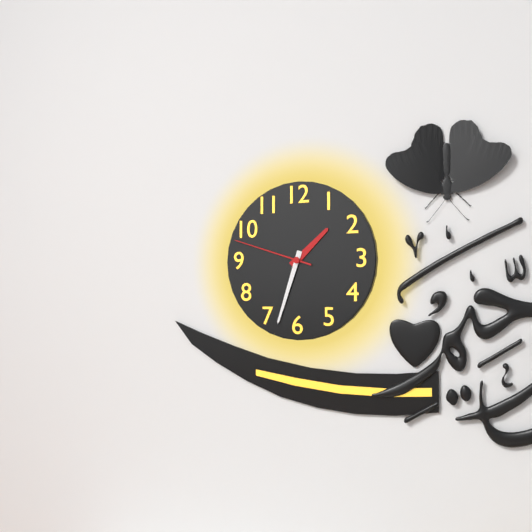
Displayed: **1:33:48**
